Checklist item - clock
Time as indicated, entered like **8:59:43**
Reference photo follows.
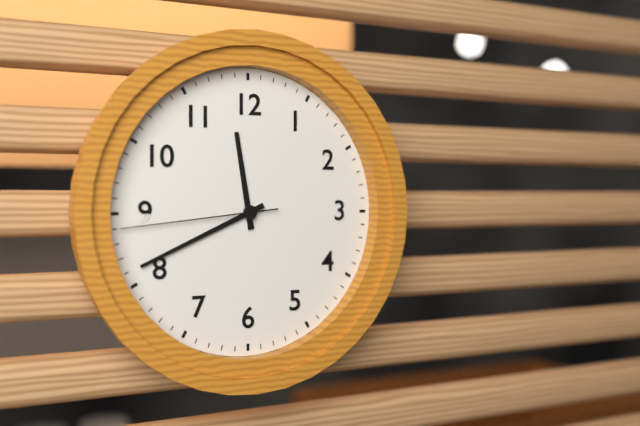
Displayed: **11:41:44**
